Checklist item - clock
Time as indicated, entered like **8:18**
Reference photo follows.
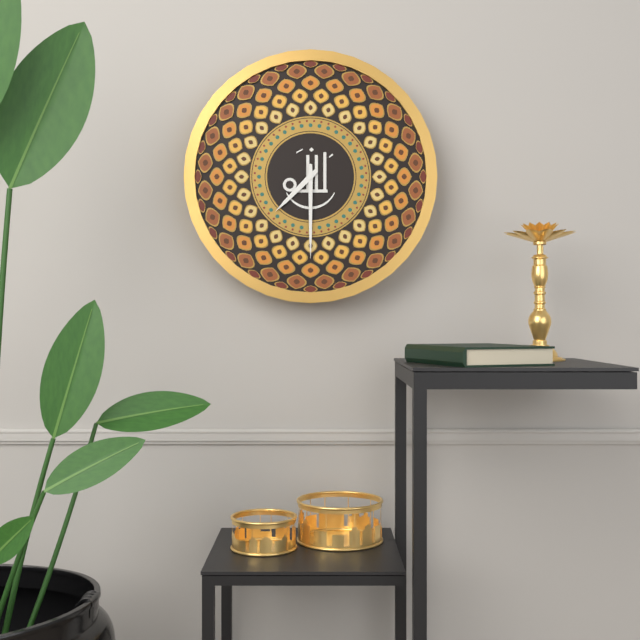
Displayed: **7:30**
